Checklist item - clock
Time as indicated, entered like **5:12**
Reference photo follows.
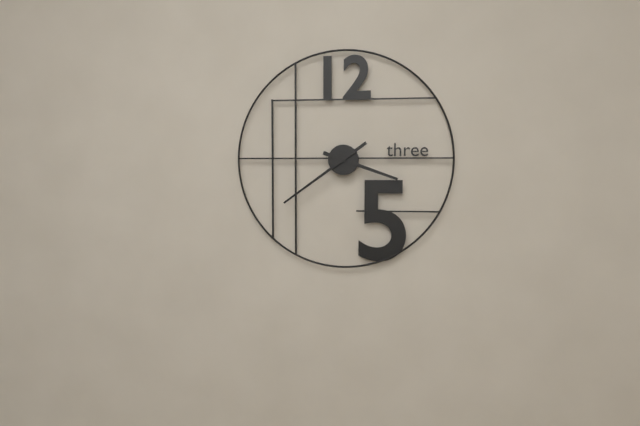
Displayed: **3:39**
